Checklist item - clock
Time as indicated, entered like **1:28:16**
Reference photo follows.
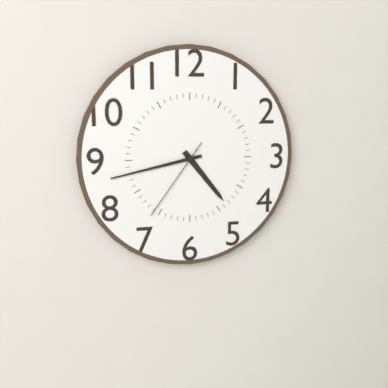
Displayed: **4:43:36**
